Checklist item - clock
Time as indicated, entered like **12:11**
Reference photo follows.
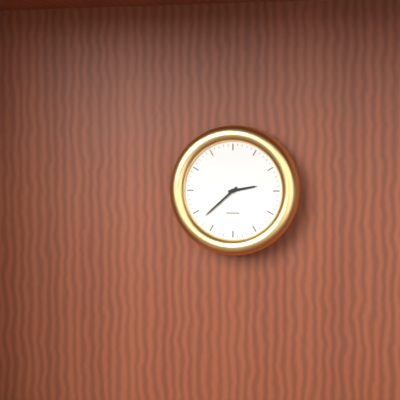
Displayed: **2:38**
